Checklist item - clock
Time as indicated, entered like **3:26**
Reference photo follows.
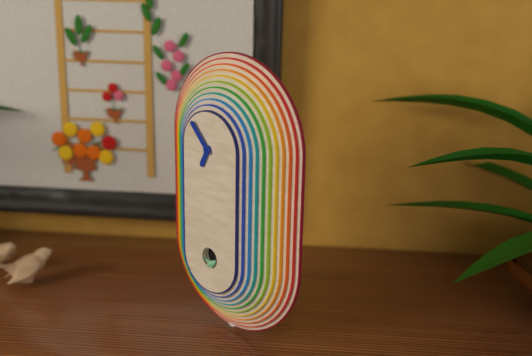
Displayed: **6:53**
